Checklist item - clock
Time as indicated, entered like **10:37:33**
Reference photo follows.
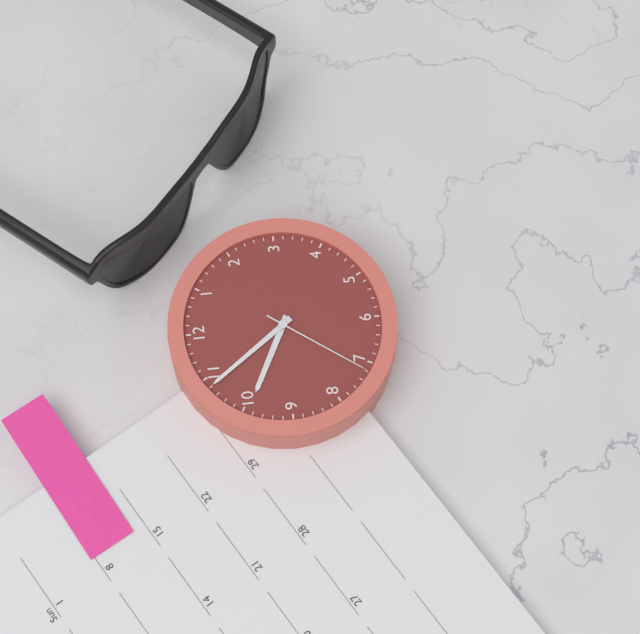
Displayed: **9:54:36**
